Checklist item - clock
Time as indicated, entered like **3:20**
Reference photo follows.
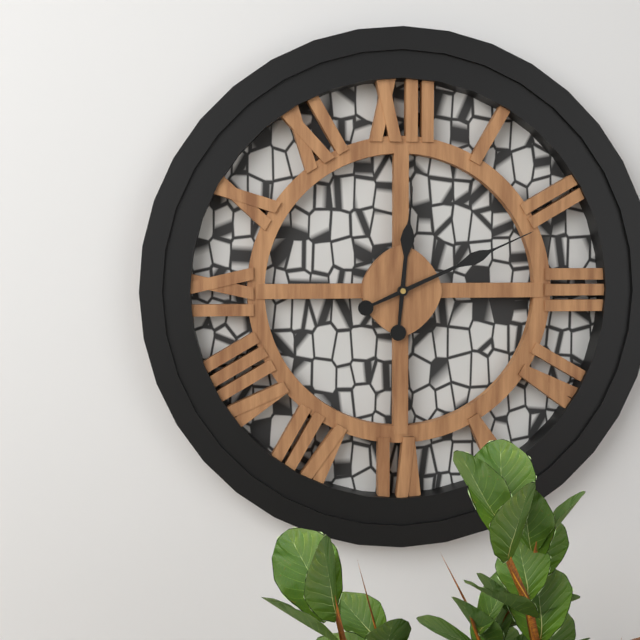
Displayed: **12:11**
